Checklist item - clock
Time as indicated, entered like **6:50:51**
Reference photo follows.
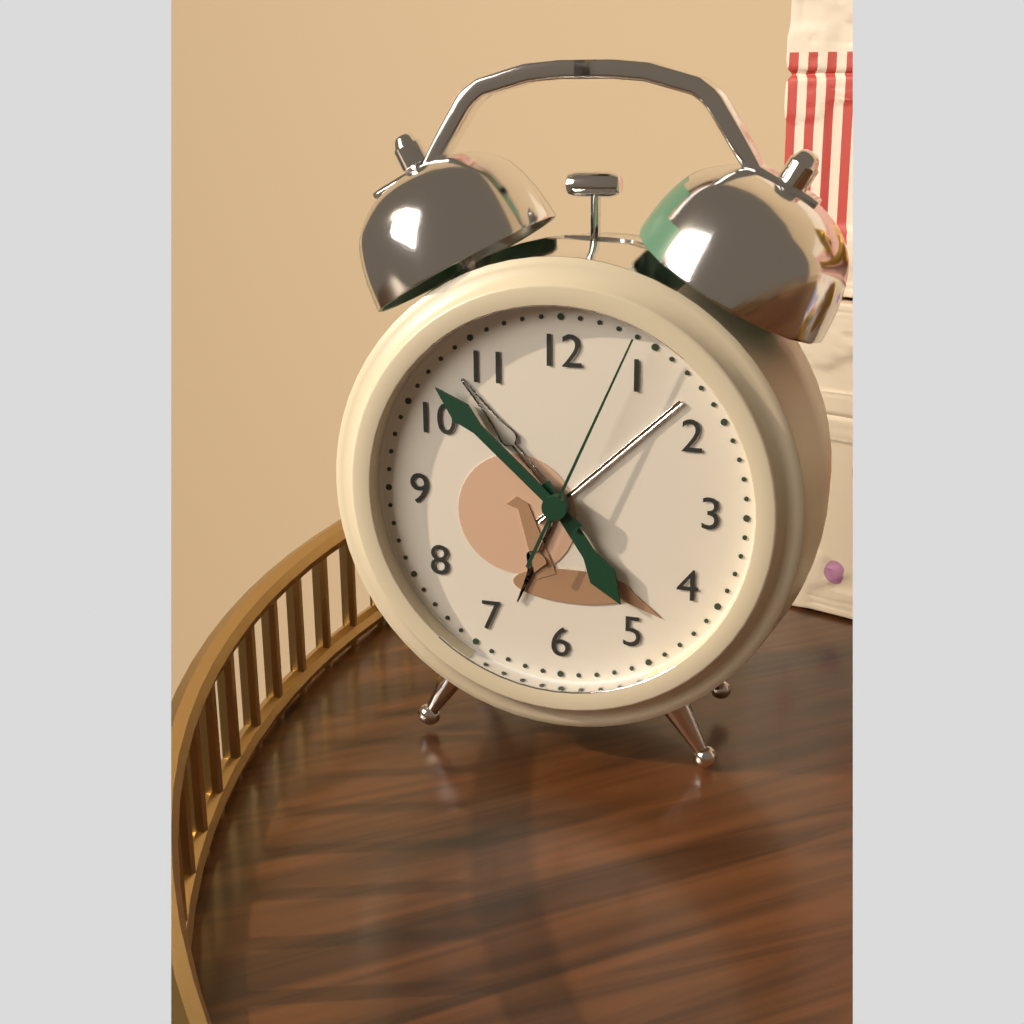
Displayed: **4:52:04**
